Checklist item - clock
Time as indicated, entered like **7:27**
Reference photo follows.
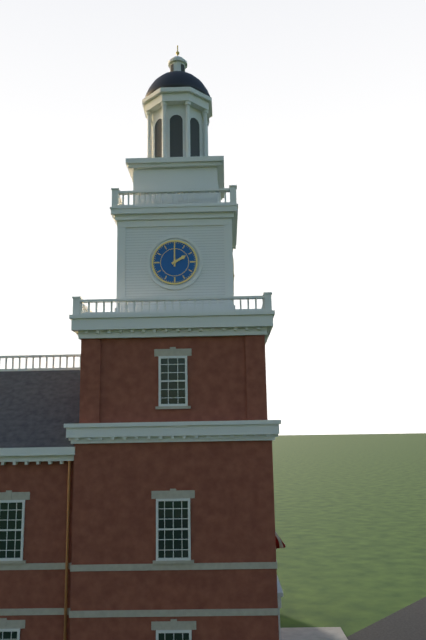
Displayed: **2:00**
